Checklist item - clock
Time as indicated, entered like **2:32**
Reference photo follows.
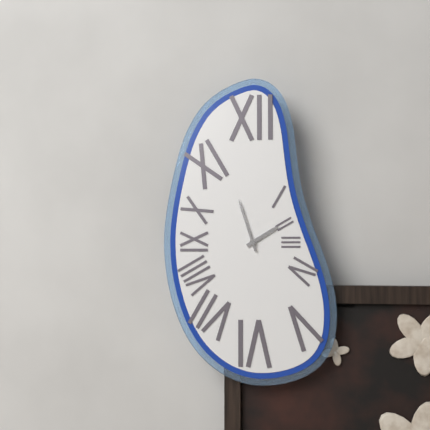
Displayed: **1:57**
